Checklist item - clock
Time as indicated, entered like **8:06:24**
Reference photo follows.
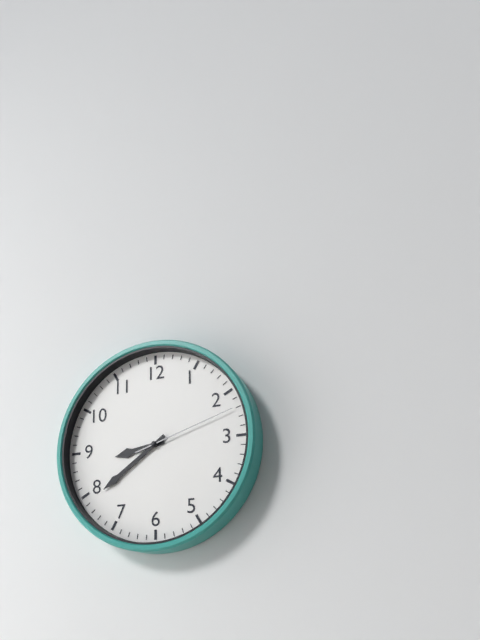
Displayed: **8:39:12**
